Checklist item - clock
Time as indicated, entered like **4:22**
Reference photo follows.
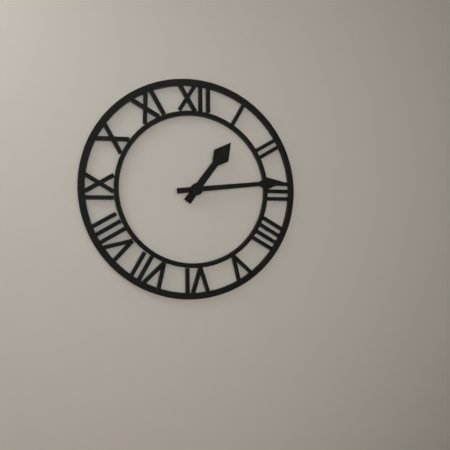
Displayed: **1:14**
